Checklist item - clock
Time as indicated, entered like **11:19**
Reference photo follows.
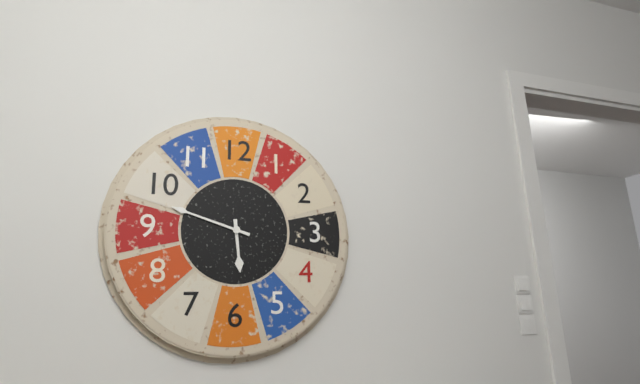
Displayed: **5:48**
